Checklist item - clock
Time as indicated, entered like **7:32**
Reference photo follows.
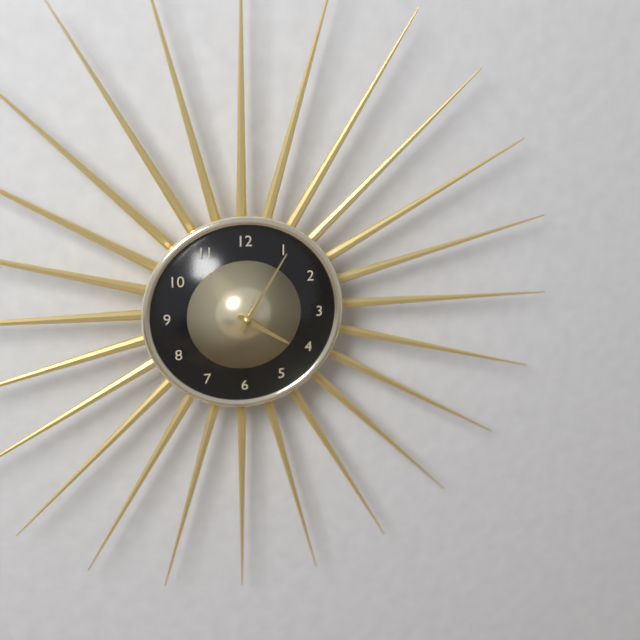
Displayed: **4:05**
